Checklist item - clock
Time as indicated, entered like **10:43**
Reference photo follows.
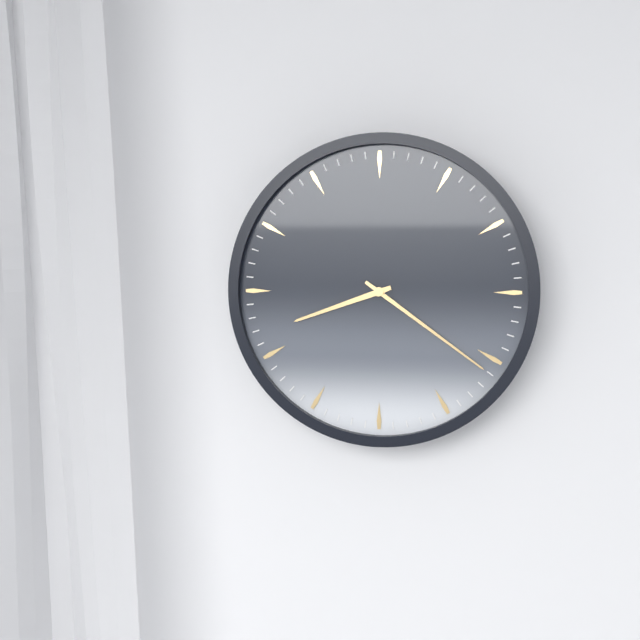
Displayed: **8:21**
